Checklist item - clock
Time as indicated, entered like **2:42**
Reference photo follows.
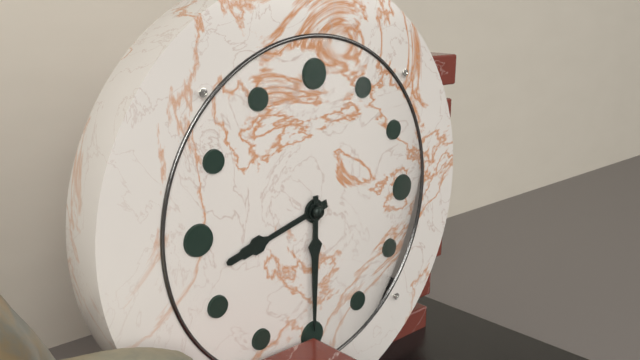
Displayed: **8:30**
